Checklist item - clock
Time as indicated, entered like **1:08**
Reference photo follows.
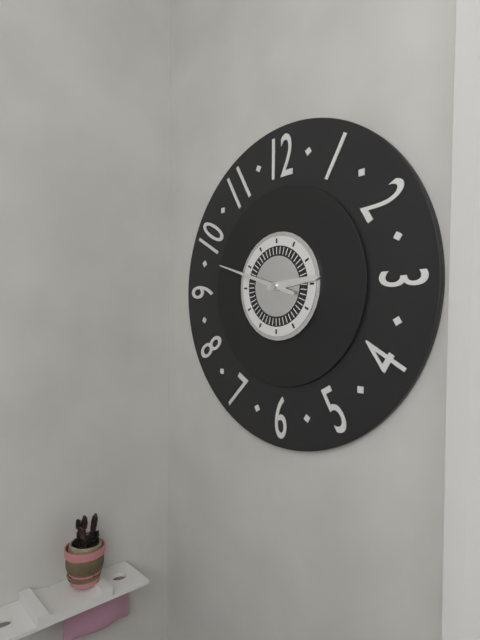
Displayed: **2:48**
